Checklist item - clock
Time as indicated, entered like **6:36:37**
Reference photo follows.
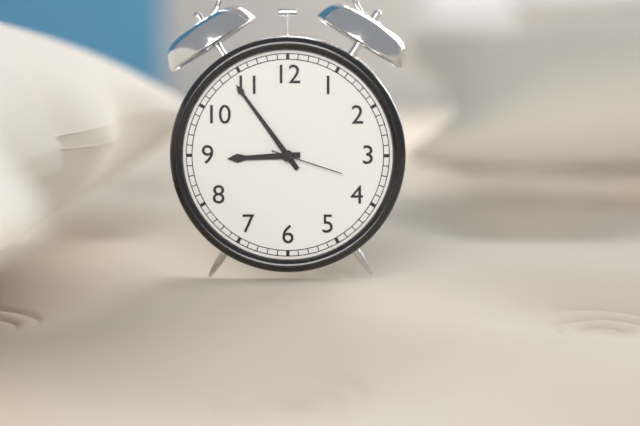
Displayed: **8:54:18**
